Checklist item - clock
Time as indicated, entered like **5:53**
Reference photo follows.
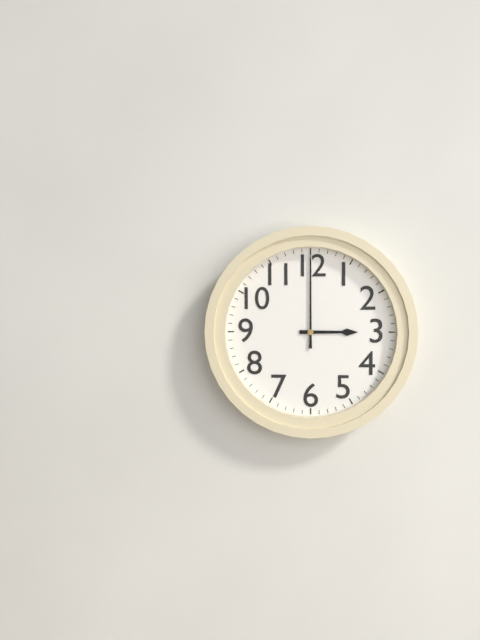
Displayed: **3:00**
